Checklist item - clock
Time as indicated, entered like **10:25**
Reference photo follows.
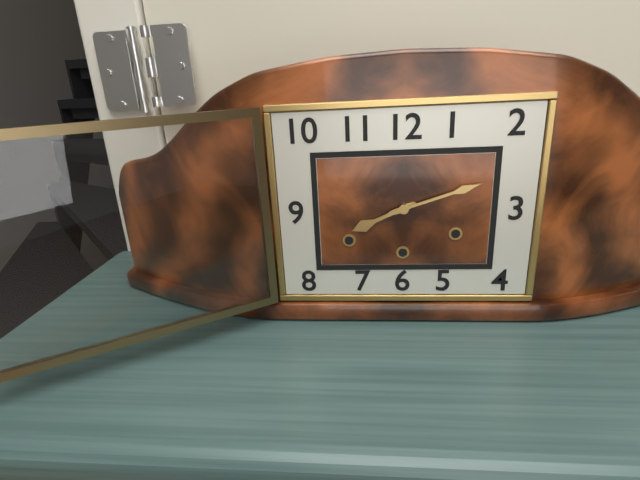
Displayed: **8:12**
